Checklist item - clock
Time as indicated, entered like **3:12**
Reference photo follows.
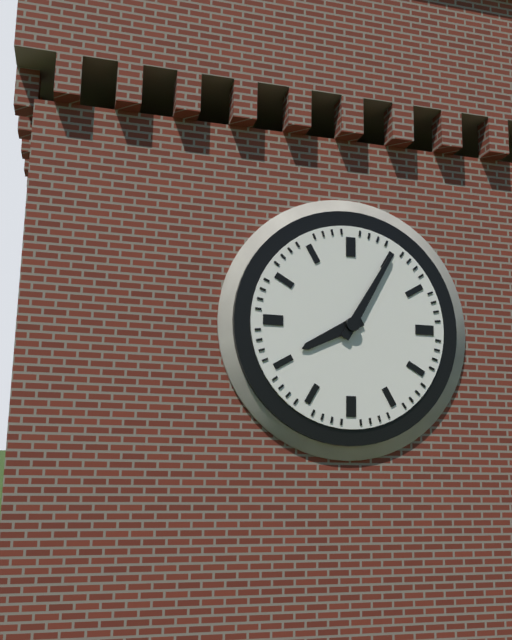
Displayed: **8:05**
